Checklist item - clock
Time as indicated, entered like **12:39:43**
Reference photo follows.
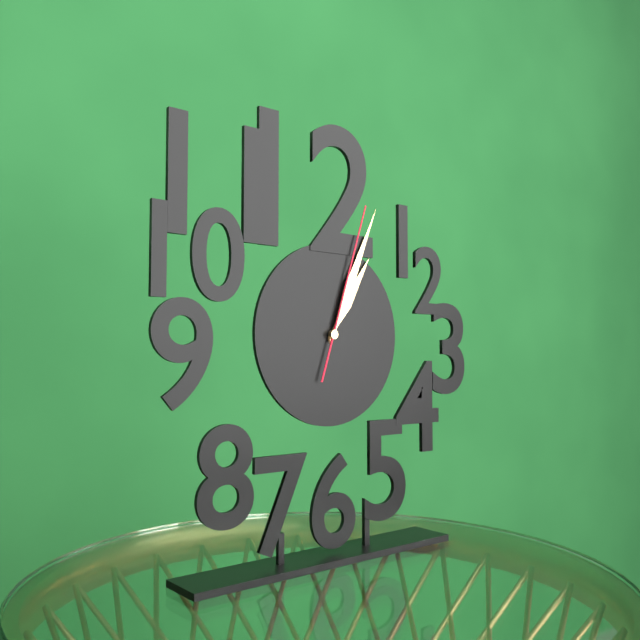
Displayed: **1:04:03**
